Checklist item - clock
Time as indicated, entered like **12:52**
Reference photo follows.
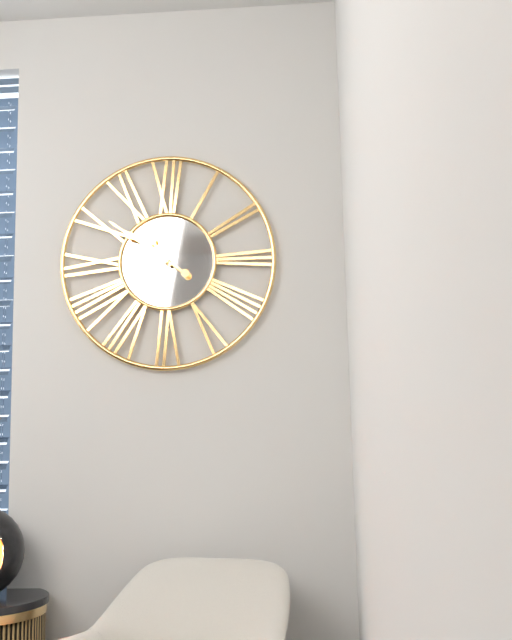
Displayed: **10:51**
